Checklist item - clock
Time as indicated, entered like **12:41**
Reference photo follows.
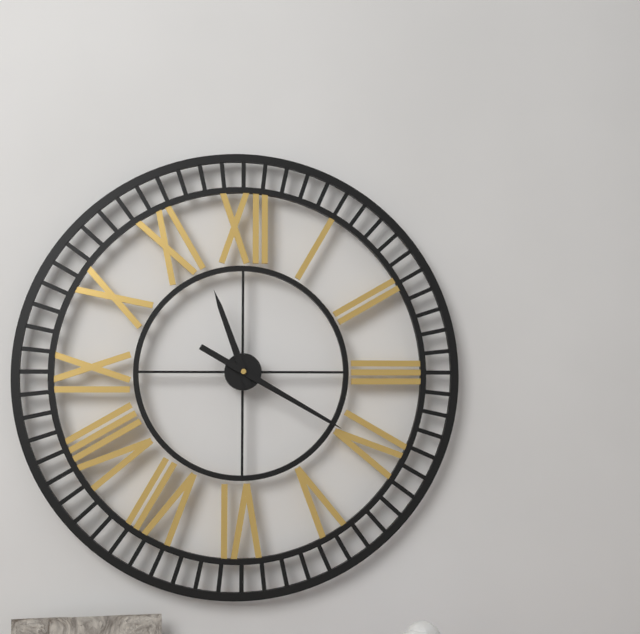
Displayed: **11:20**
